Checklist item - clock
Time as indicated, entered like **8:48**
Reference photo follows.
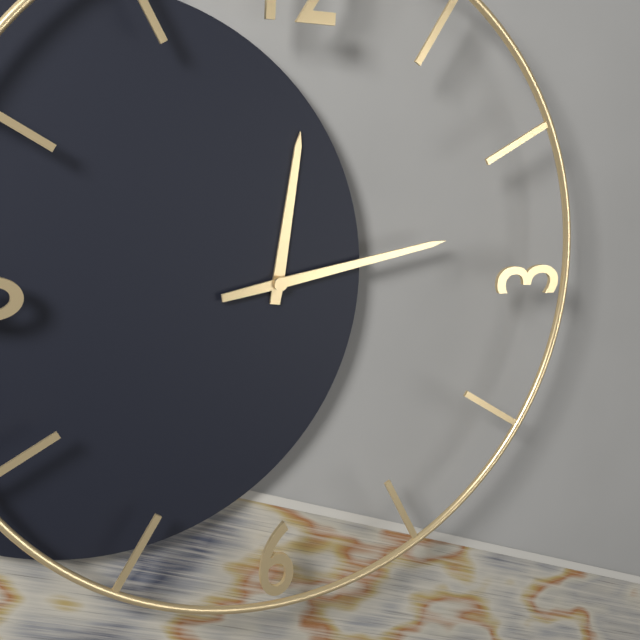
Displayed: **12:13**
